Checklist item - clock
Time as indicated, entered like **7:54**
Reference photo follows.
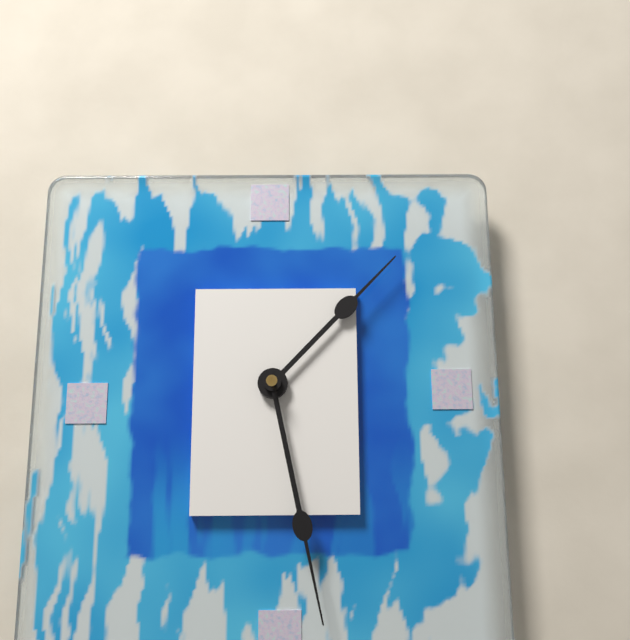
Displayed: **1:28**
